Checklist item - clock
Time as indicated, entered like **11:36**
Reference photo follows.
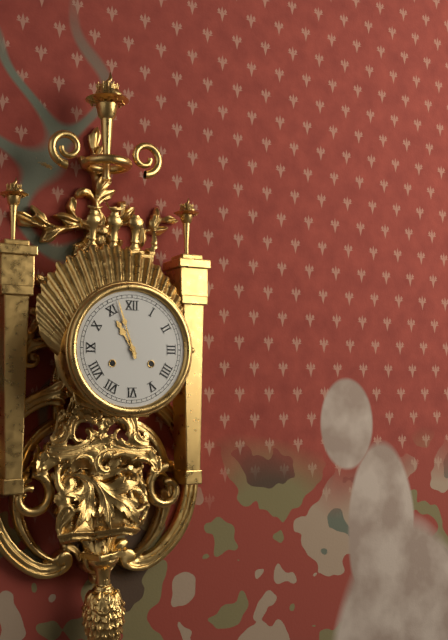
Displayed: **10:57**
